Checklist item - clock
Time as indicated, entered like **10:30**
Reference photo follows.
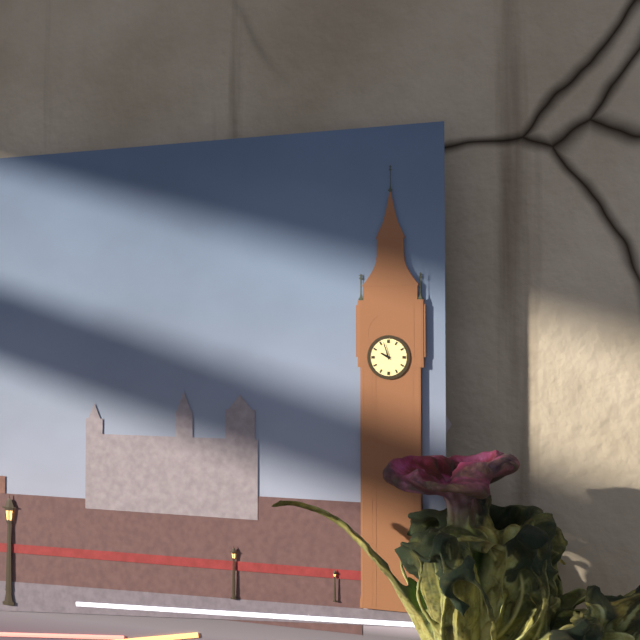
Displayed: **9:57**
